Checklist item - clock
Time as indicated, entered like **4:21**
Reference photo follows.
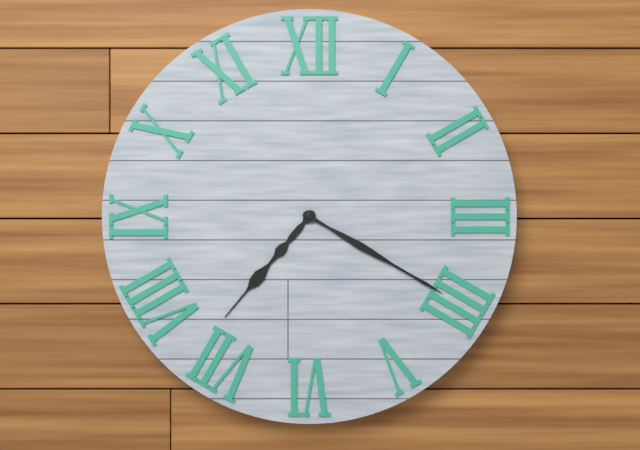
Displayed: **7:20**
